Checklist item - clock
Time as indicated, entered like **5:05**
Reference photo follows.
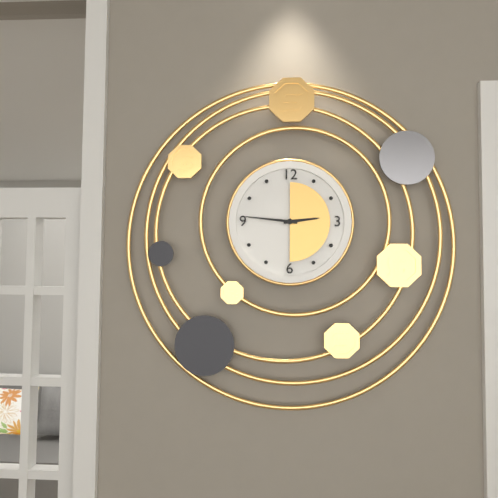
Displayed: **2:46**
